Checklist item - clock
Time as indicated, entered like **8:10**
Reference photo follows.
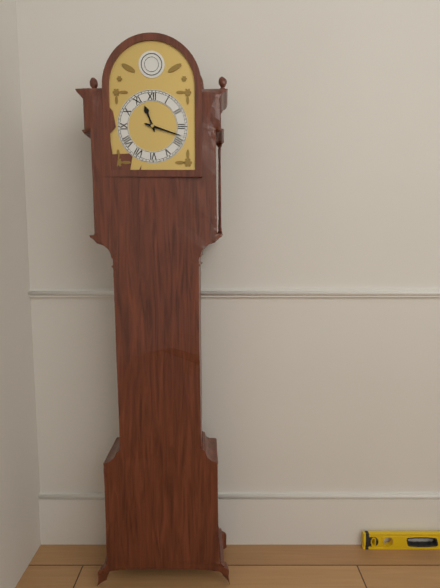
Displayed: **11:18**
